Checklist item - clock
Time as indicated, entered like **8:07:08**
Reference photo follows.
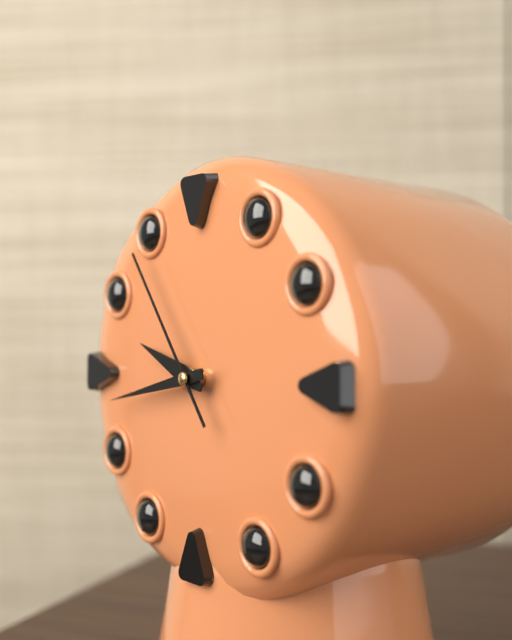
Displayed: **9:43:54**
